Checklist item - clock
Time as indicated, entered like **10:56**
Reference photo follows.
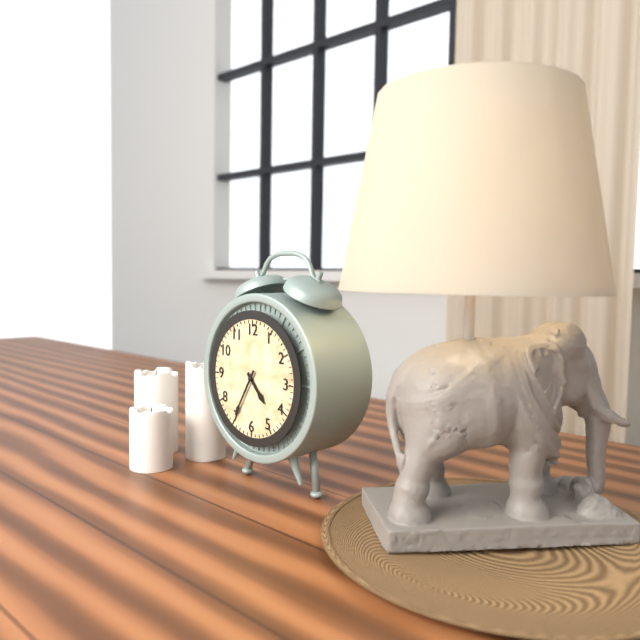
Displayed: **4:35**
